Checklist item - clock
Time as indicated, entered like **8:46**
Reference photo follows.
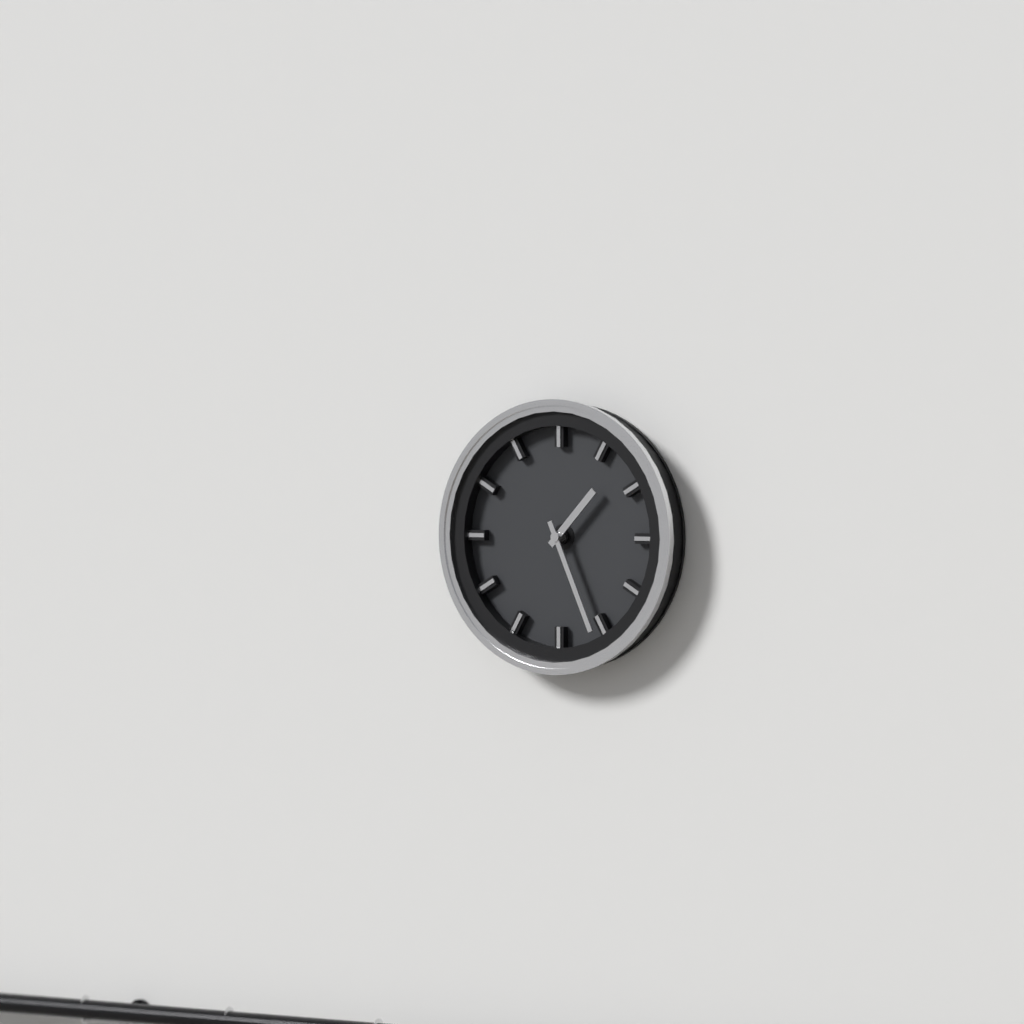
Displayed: **1:26**
